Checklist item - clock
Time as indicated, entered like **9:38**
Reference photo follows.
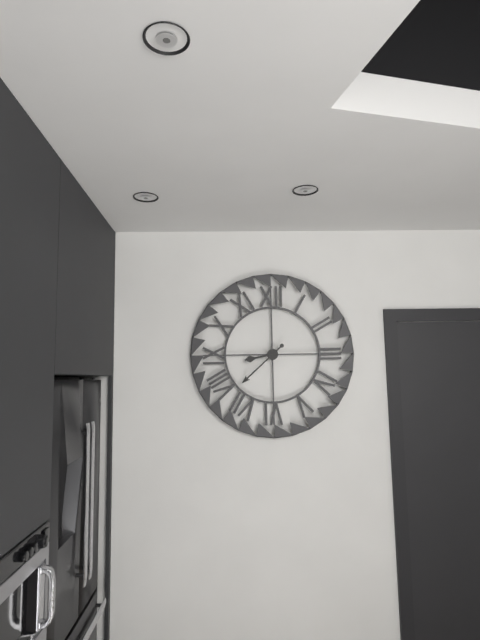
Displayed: **8:38**
